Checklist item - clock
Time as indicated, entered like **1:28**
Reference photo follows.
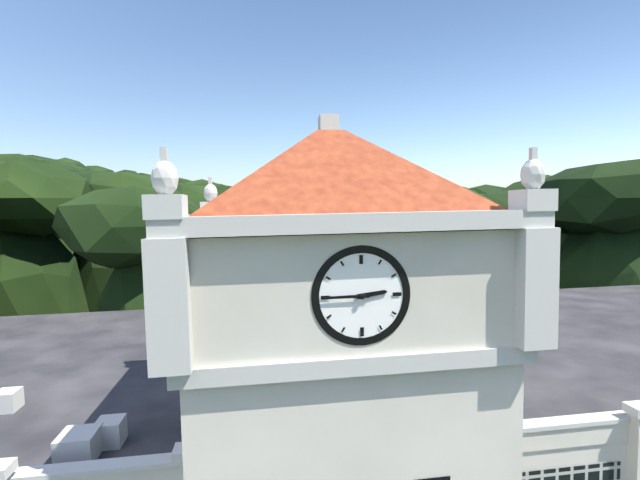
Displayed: **2:45**
